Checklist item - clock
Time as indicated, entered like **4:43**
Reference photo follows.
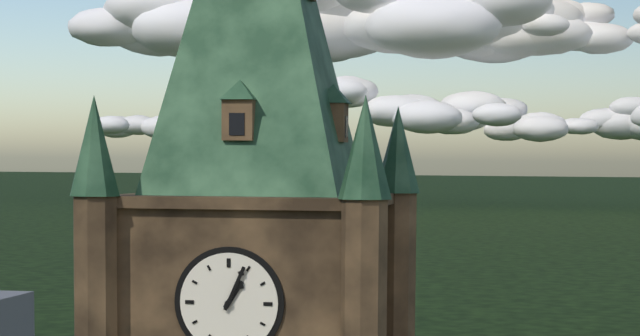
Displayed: **1:04**
